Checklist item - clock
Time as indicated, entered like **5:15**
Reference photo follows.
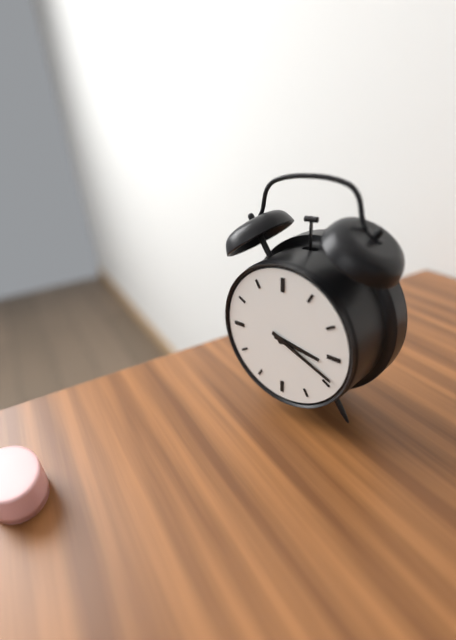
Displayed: **3:19**
